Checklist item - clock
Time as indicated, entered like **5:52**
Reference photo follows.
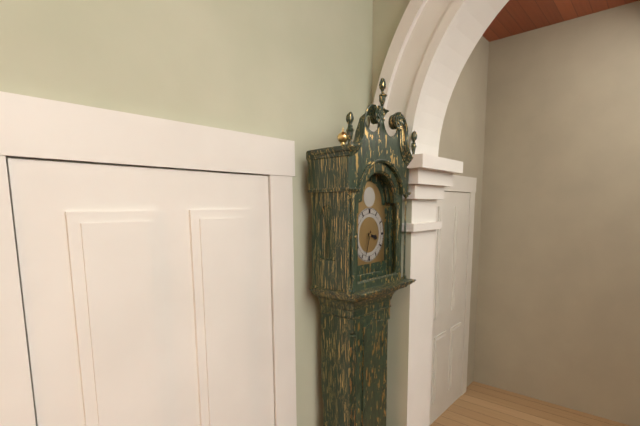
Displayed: **3:33**
